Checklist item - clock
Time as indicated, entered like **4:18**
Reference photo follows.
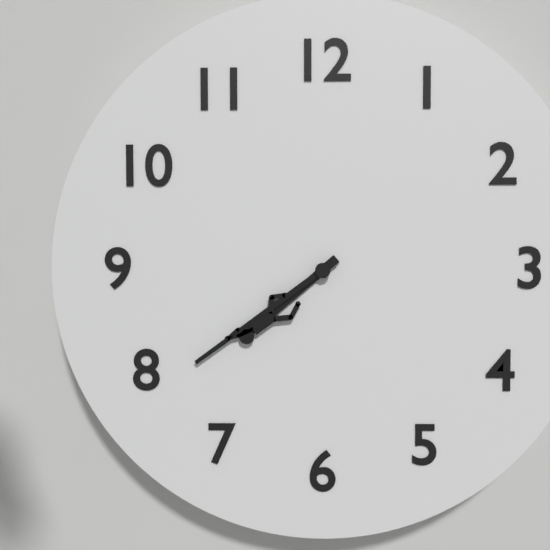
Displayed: **7:39**
